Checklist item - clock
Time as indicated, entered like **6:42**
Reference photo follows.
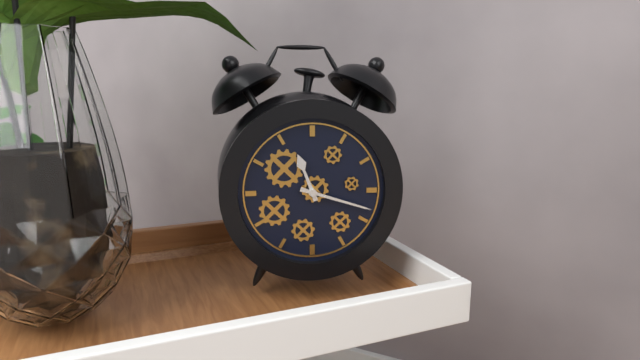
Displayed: **11:18**
